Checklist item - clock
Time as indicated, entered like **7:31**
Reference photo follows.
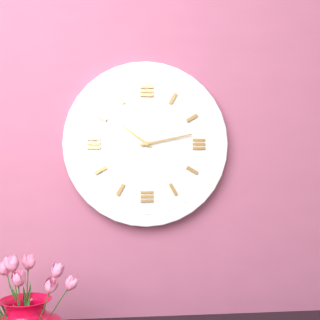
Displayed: **10:13**
